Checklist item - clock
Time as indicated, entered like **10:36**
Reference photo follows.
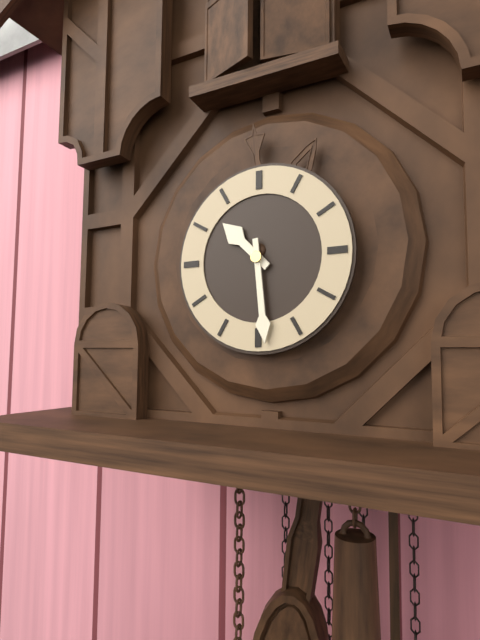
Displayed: **10:29**
